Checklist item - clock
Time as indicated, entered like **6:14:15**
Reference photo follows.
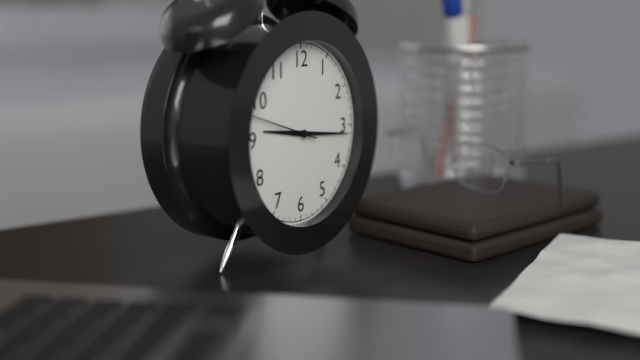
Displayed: **9:16:48**
